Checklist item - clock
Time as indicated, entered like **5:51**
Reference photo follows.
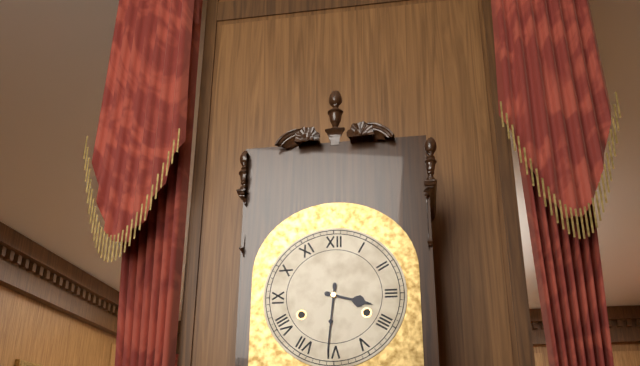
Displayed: **3:31**
